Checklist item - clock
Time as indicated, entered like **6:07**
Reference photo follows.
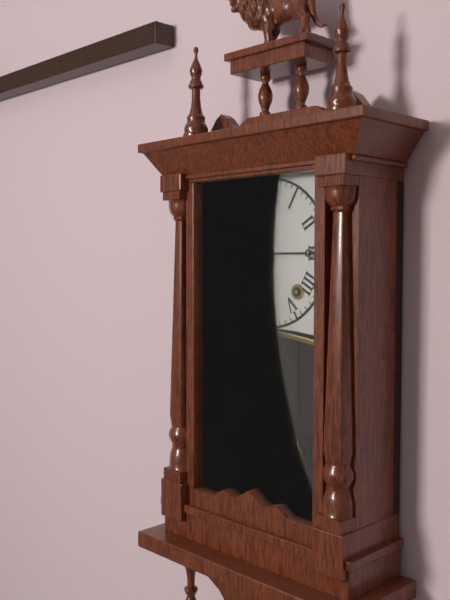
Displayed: **11:15**
